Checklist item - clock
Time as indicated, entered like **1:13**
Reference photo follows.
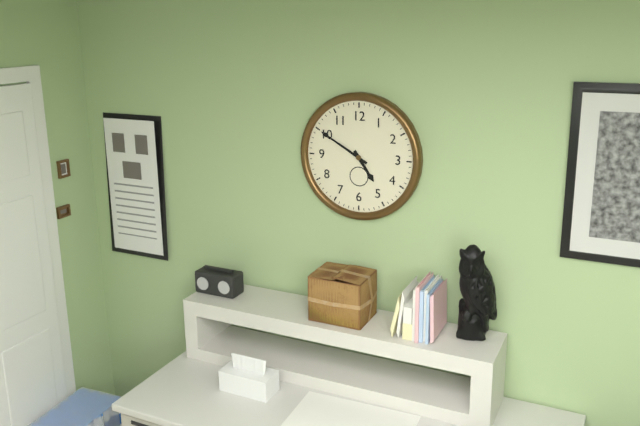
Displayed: **4:50**
